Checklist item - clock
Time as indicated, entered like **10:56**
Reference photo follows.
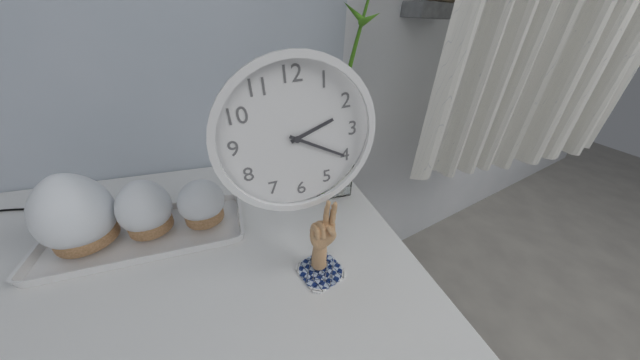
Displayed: **2:20**
